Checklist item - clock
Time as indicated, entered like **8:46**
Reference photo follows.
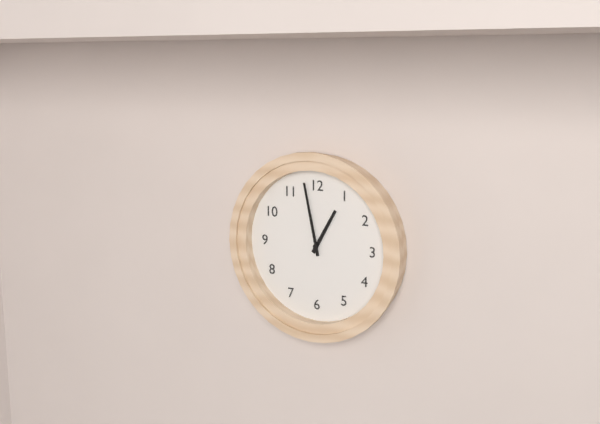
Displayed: **12:58**
